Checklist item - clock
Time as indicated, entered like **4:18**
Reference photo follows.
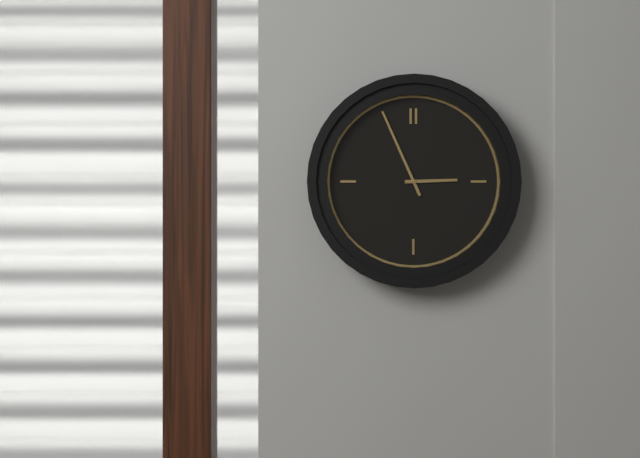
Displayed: **2:56**
